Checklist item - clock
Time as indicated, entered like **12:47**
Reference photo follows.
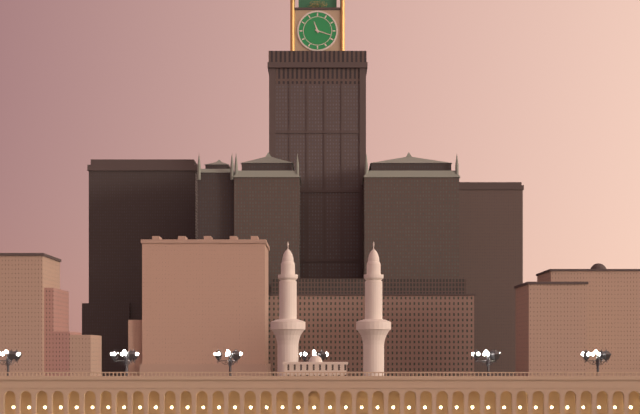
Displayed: **11:18**
